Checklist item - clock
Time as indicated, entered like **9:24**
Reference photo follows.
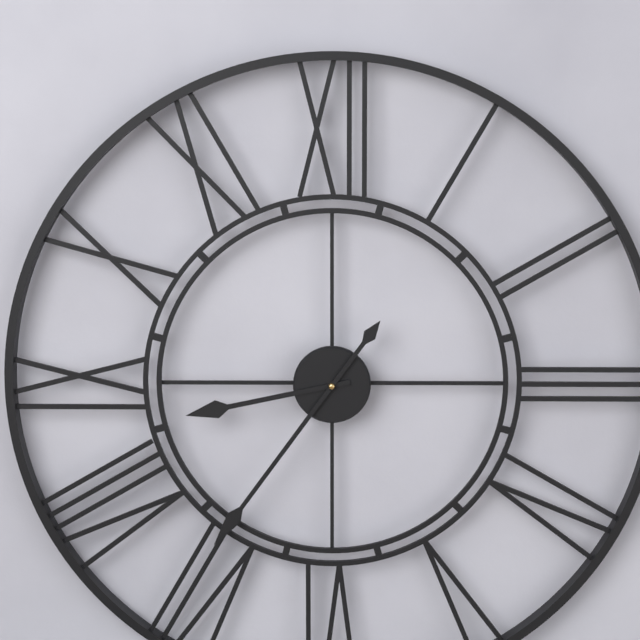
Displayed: **8:36**
